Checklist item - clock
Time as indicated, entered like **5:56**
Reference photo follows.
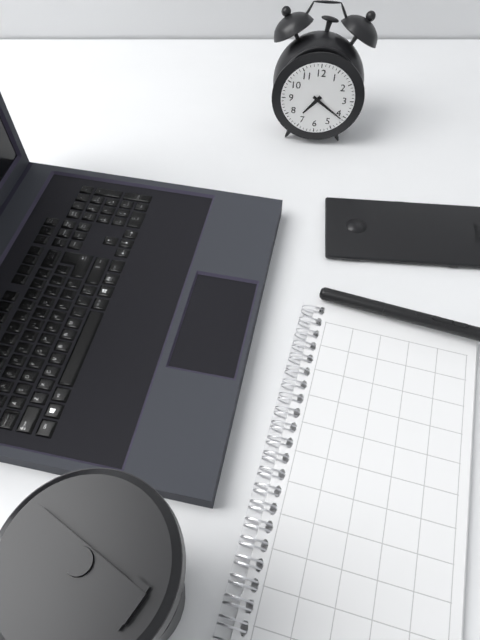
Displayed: **7:21**
